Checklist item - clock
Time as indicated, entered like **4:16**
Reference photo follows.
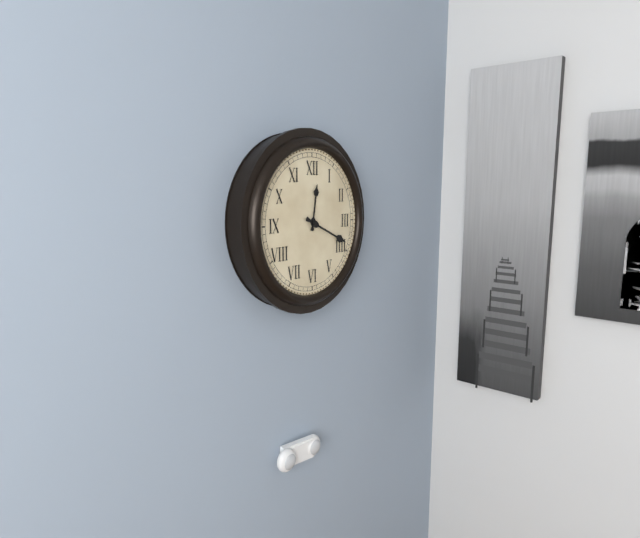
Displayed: **12:19**
